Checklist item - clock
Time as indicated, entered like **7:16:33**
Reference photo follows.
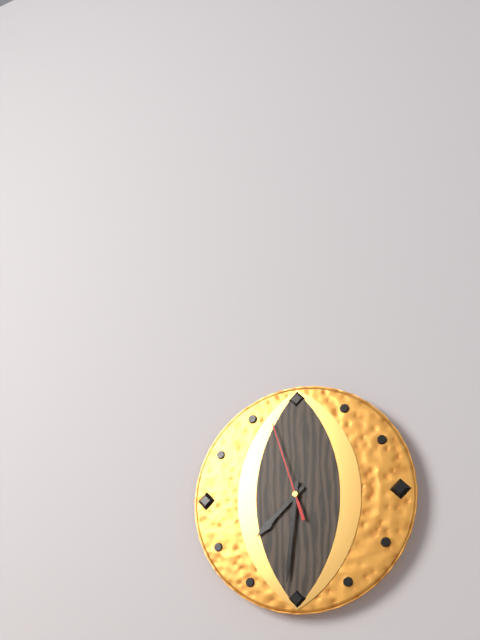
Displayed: **7:31:57**
